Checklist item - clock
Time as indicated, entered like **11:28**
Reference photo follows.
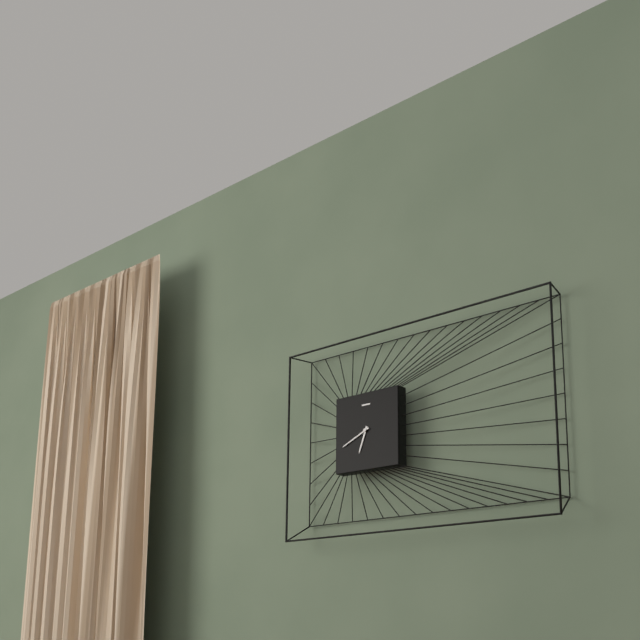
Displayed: **6:41**
